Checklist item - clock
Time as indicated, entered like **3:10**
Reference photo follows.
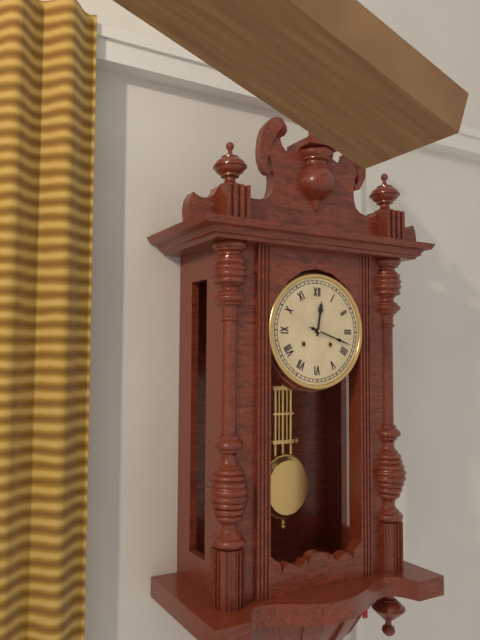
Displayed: **12:18**
